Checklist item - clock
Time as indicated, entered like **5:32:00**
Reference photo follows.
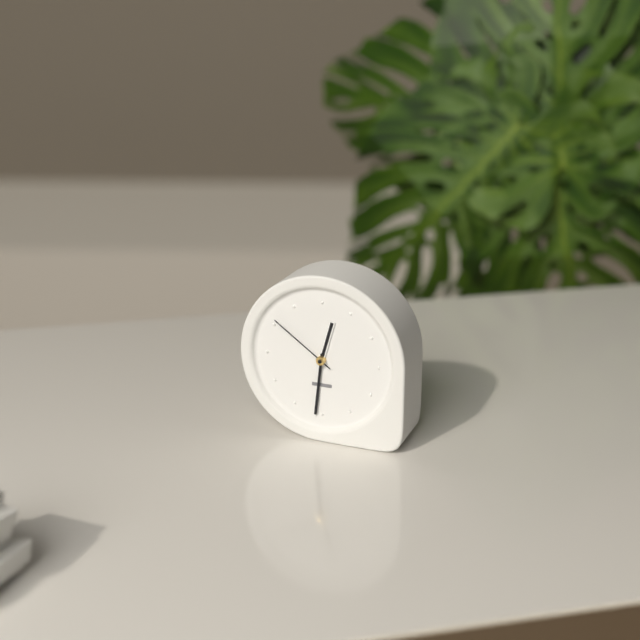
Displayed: **12:31:51**
